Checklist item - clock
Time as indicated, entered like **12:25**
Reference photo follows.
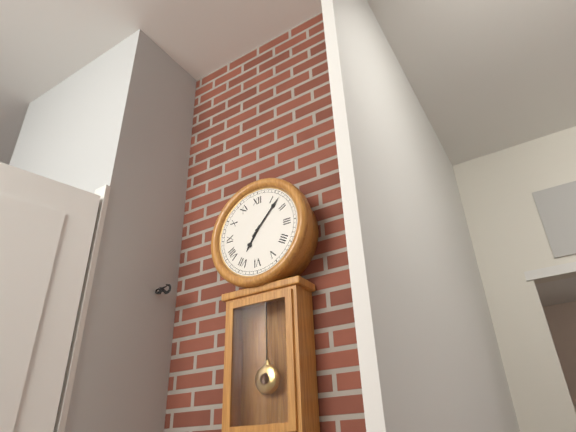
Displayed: **7:07**
